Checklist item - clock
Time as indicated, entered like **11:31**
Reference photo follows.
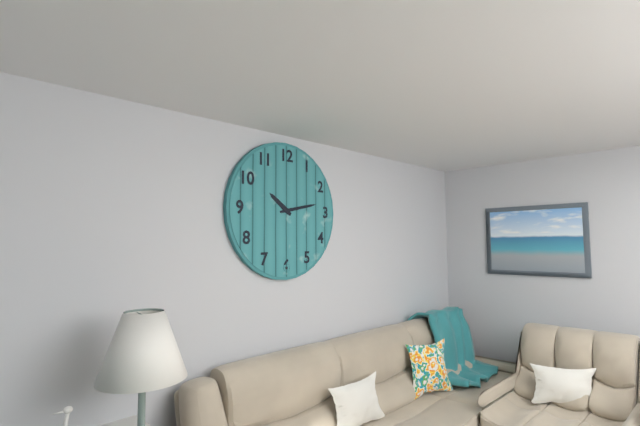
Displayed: **10:13**
